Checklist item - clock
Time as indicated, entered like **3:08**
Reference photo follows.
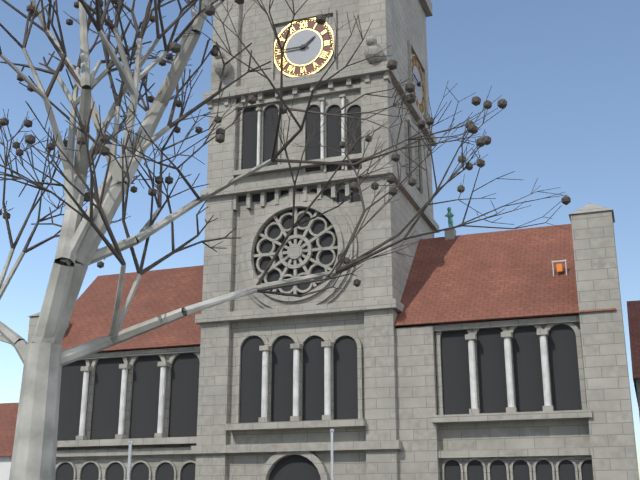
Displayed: **1:45**
